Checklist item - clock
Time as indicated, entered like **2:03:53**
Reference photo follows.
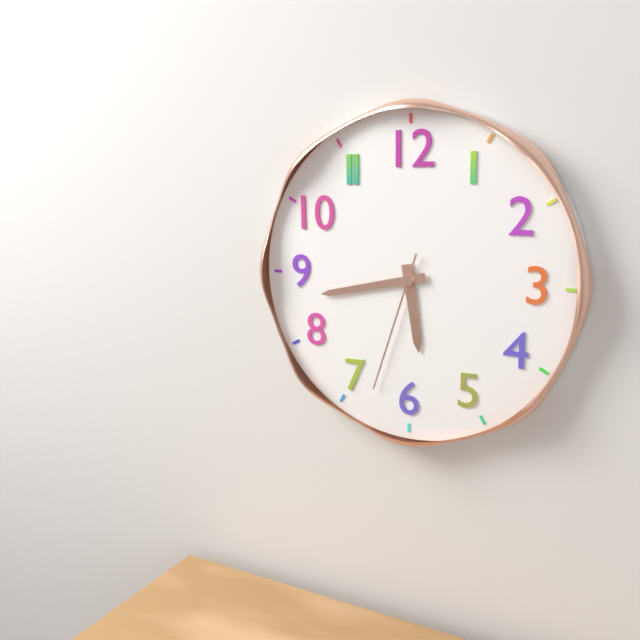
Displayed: **5:43:33**
